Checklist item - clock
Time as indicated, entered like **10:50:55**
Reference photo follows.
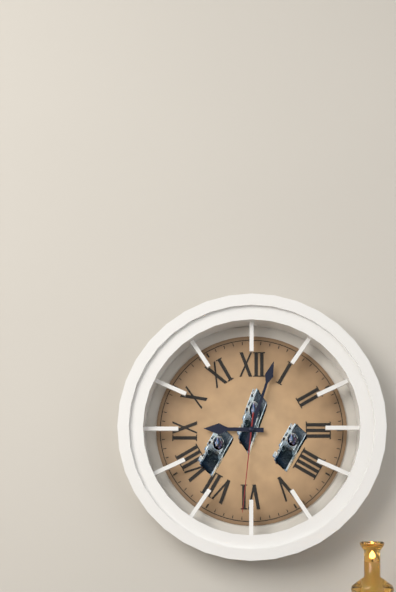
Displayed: **9:03:31**
